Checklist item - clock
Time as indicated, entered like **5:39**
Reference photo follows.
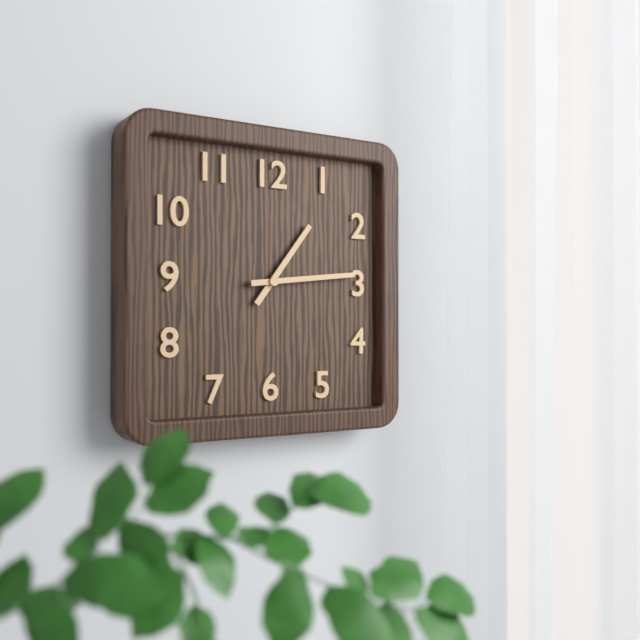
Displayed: **1:14**
